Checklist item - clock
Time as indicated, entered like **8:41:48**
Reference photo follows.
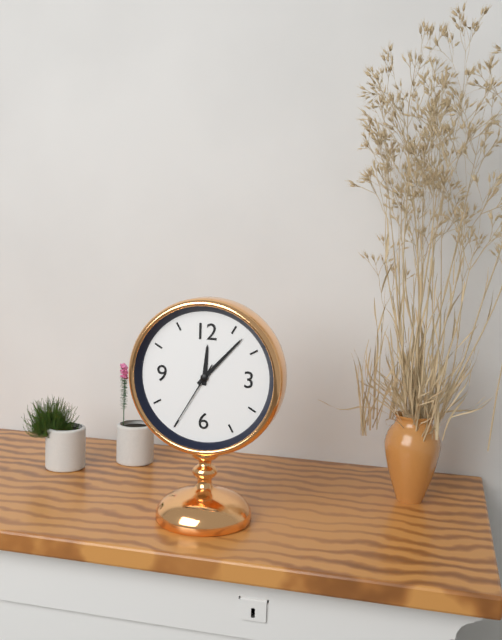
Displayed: **12:07:35**
